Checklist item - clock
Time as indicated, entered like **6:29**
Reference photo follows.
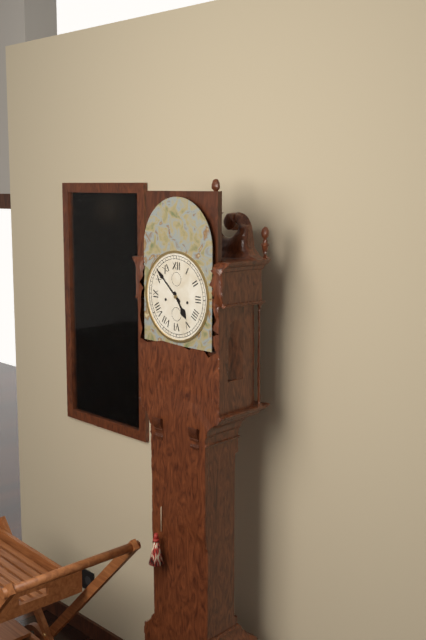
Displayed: **4:52**
